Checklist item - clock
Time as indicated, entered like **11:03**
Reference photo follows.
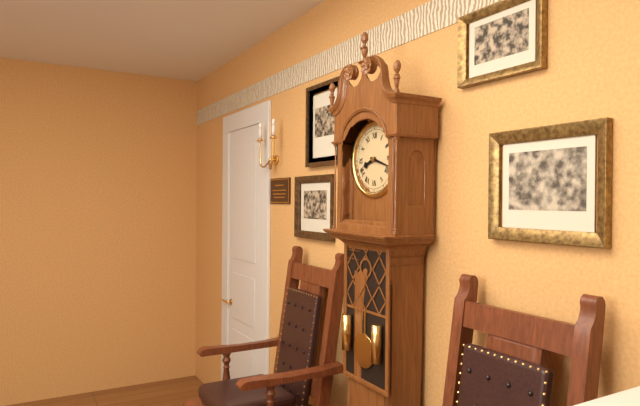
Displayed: **8:18**
